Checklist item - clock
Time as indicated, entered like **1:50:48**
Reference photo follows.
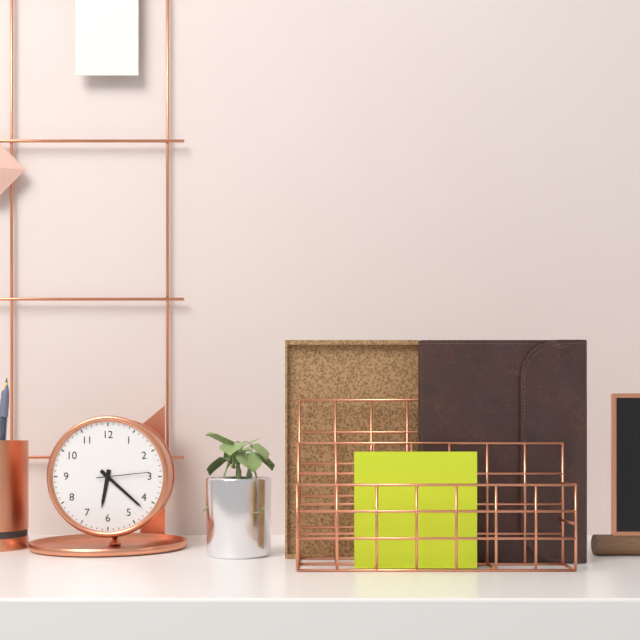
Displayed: **6:22:14**
